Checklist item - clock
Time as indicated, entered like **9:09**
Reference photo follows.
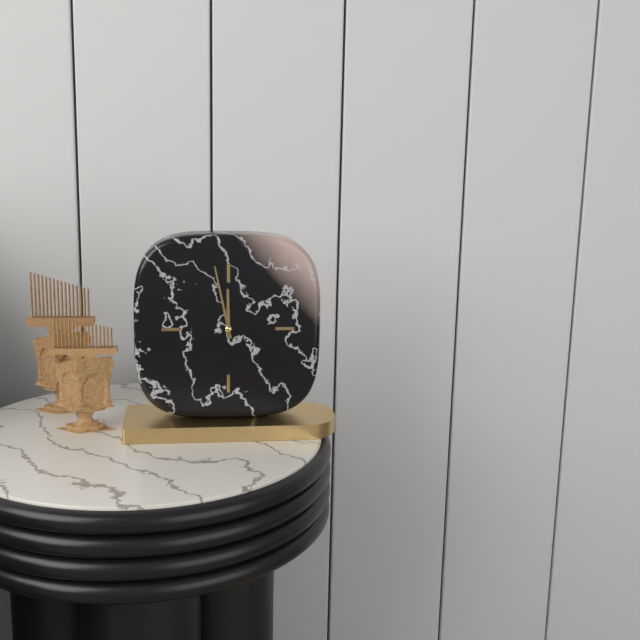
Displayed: **11:58**
